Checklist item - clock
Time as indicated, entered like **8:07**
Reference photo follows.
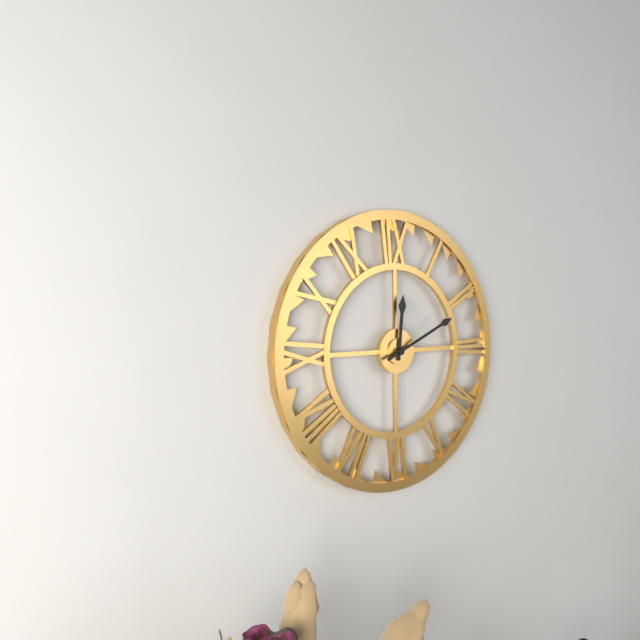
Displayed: **12:11**
